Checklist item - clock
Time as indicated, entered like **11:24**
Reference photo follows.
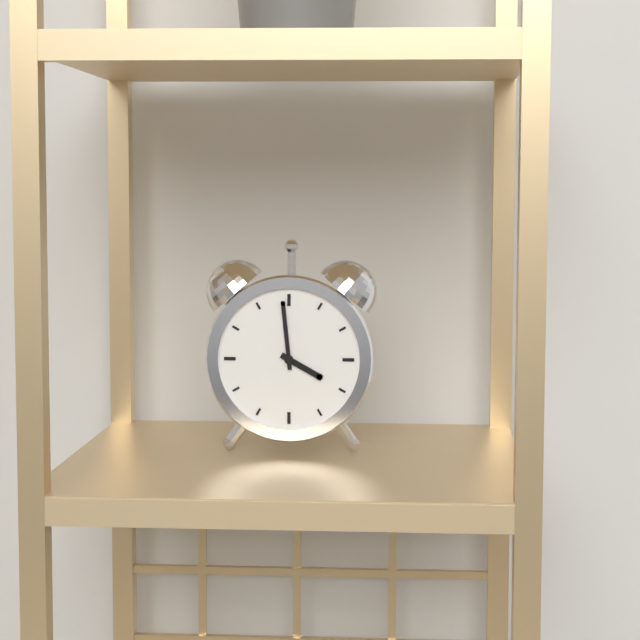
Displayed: **3:59**
